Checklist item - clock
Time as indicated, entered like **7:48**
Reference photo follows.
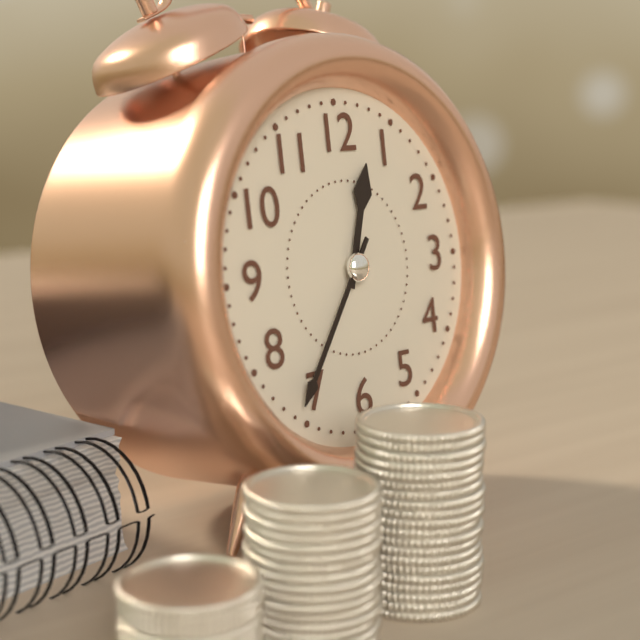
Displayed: **12:36**
